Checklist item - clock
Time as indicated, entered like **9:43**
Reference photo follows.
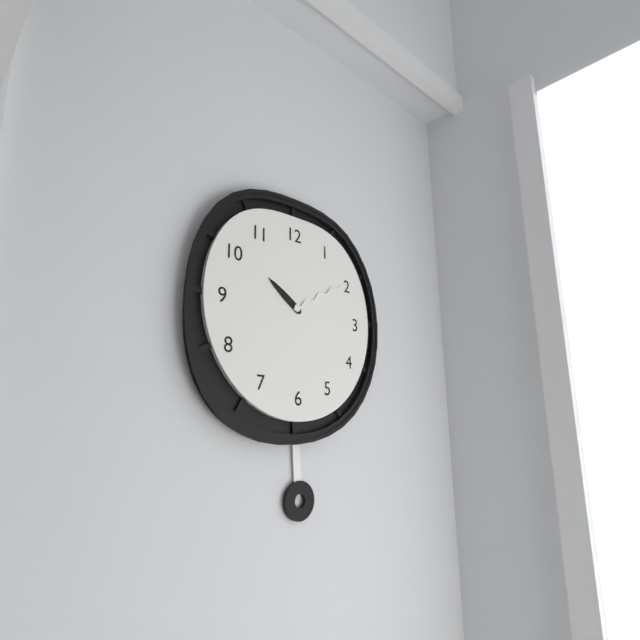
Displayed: **10:10**
